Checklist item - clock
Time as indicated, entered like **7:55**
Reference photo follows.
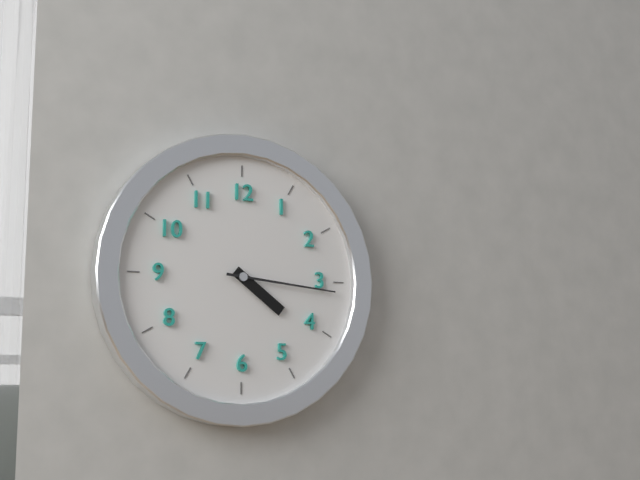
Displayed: **4:16**
